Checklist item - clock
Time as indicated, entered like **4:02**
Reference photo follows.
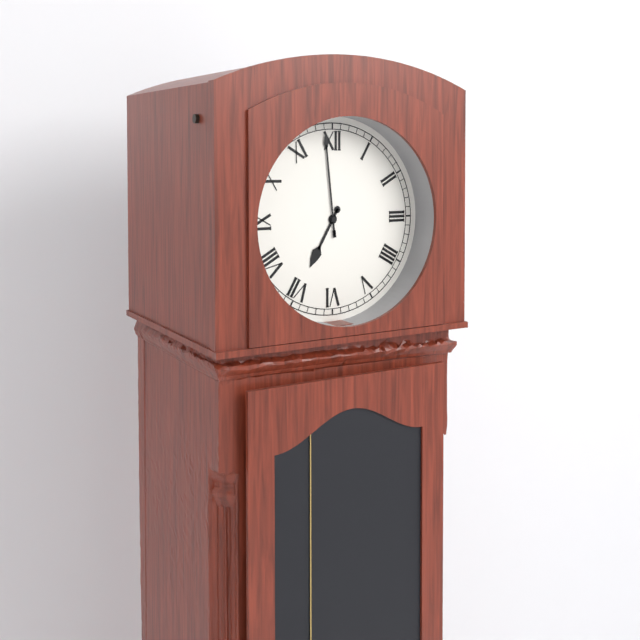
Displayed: **6:59**
